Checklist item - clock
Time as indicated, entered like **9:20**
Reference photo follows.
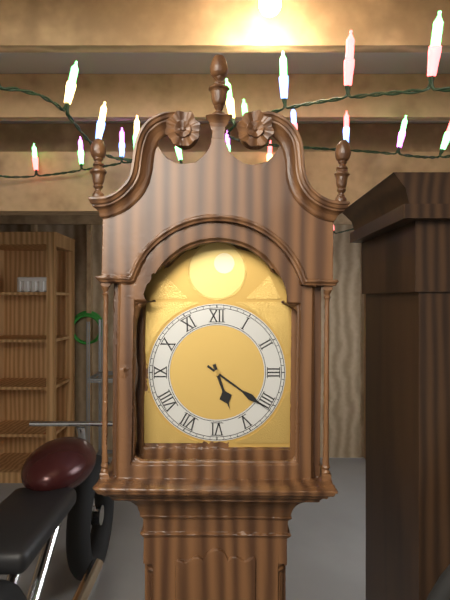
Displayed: **5:21**
